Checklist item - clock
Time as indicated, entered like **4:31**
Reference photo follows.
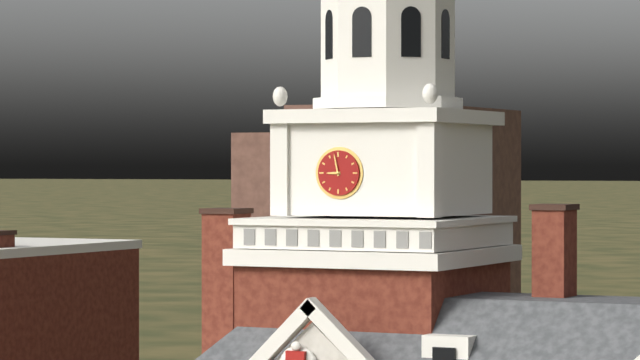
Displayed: **8:58**
